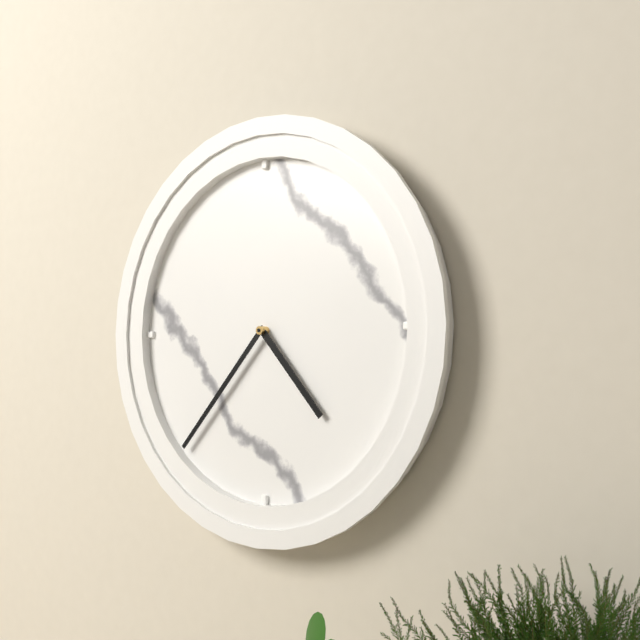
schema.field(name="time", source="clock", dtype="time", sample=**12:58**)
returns **4:37**
